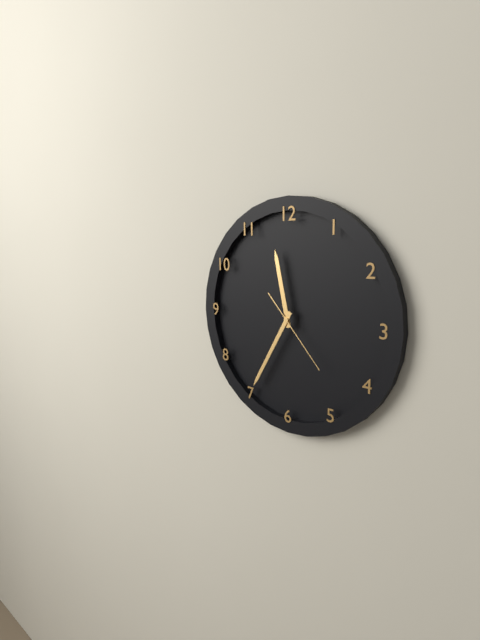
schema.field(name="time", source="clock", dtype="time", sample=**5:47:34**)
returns **11:35:23**
